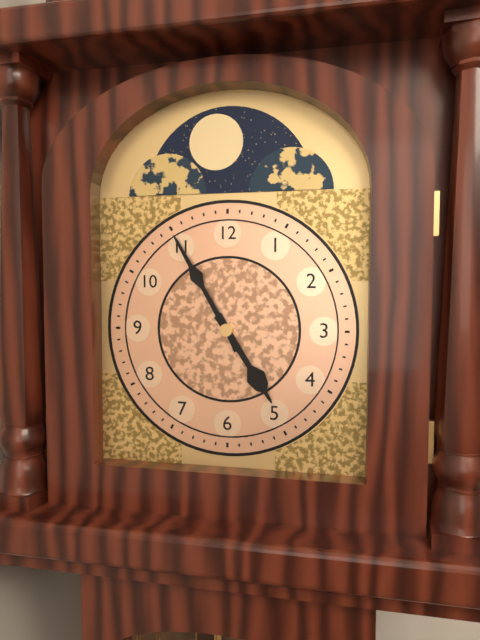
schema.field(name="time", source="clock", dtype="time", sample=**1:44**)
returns **4:55**
